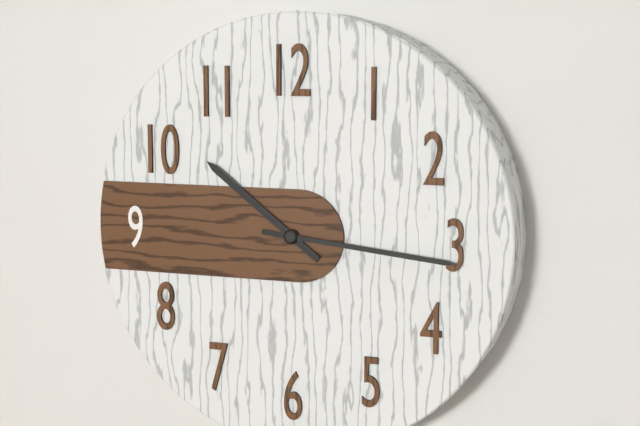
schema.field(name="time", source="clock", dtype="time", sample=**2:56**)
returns **10:16**
